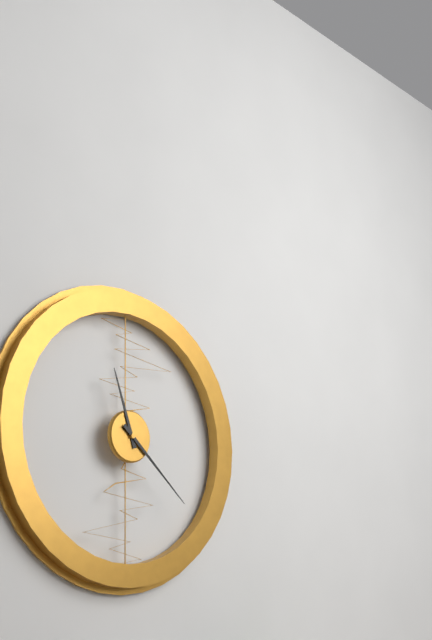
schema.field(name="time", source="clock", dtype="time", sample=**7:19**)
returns **11:22**
